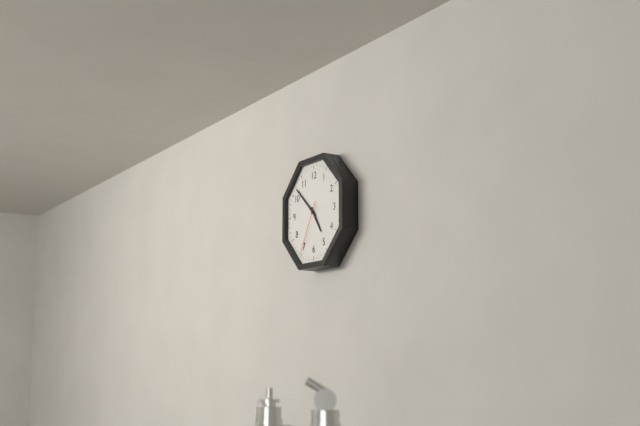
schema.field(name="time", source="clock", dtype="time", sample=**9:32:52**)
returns **4:52:35**
